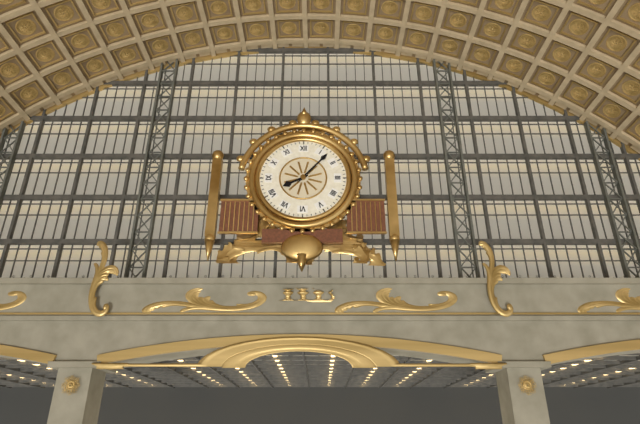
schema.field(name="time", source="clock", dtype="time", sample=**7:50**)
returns **8:07**
